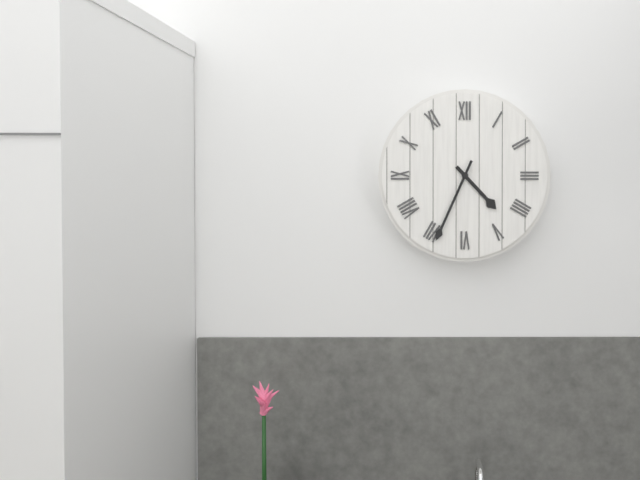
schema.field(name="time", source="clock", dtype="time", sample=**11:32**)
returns **4:34**
